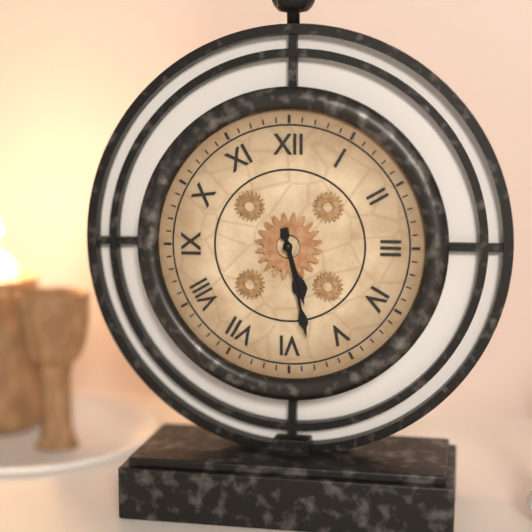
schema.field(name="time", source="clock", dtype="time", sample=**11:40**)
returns **5:28**
